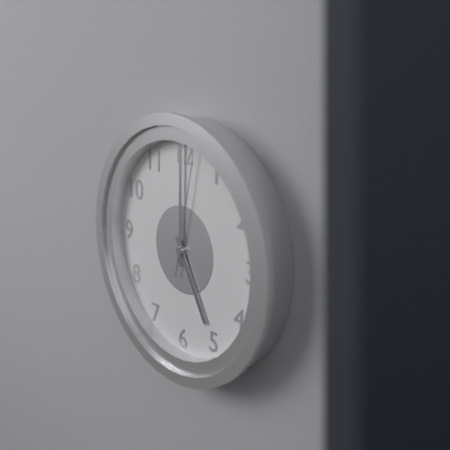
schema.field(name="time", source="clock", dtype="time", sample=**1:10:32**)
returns **5:00:02**
